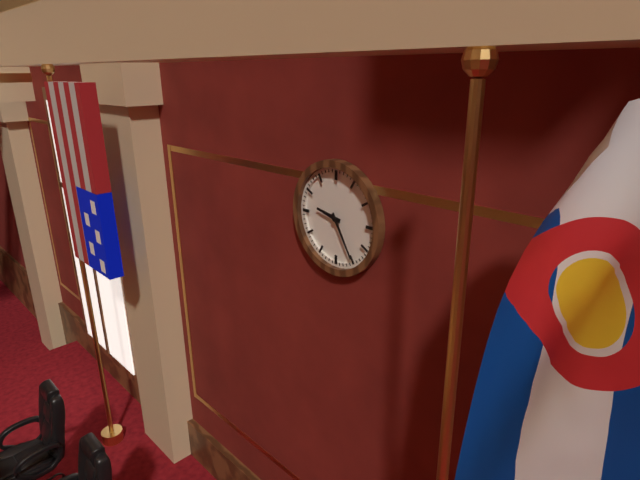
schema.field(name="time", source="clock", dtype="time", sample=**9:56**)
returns **9:25**
